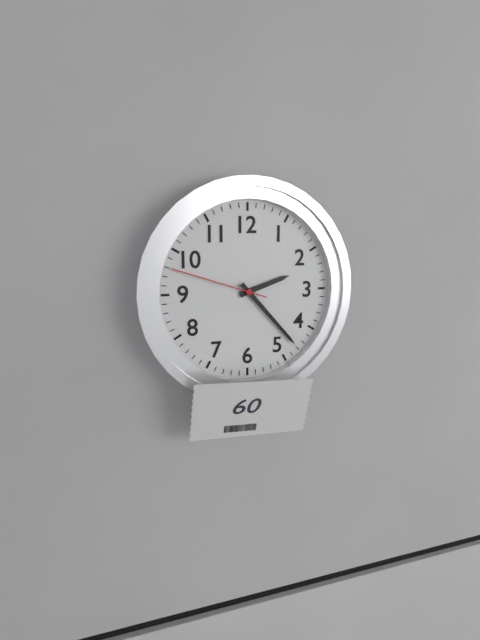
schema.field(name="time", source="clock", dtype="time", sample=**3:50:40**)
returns **2:23:48**
